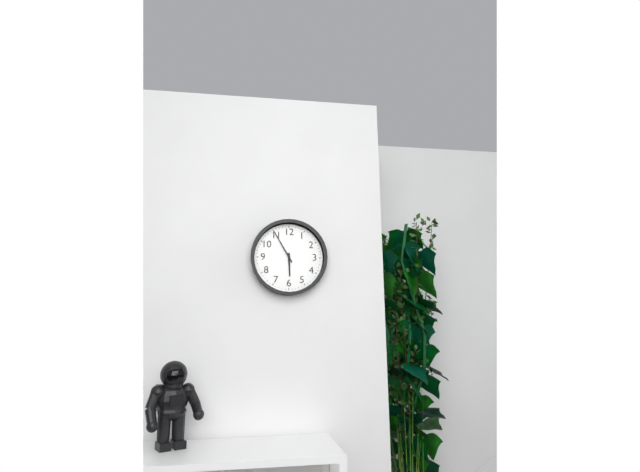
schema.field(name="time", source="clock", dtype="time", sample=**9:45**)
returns **5:55**
